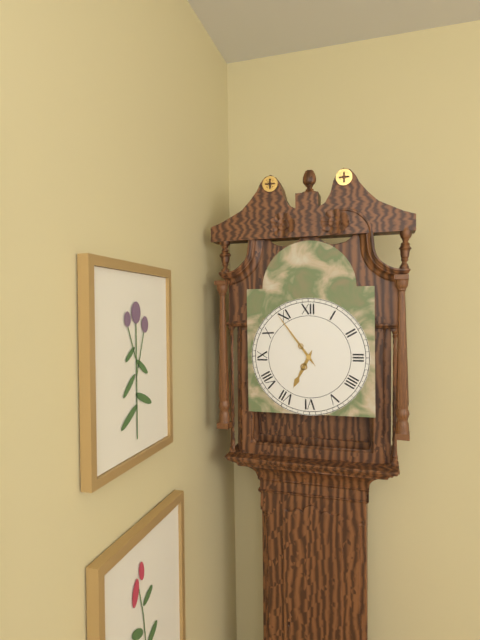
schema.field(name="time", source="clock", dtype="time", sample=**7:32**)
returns **6:54**
